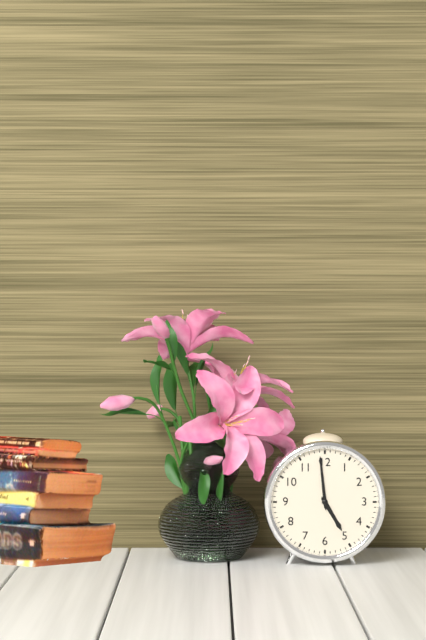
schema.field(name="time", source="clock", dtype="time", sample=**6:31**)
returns **4:59**
